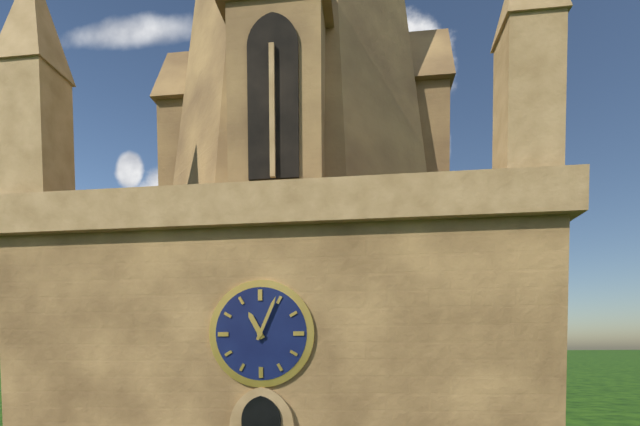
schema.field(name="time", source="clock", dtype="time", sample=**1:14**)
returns **11:04**
